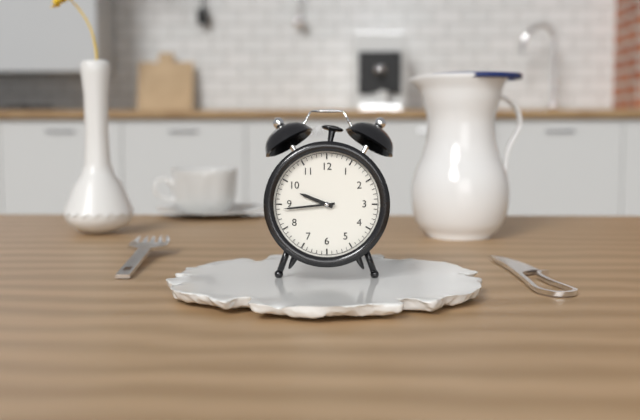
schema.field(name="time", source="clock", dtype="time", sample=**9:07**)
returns **9:44**
